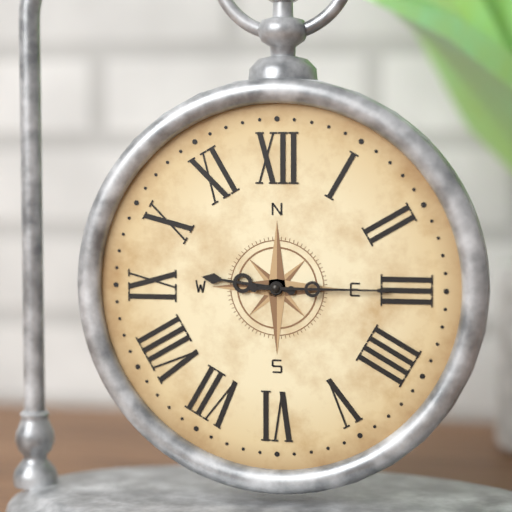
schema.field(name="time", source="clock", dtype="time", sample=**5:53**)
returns **9:15**
